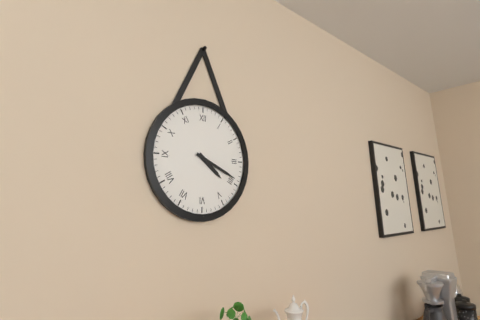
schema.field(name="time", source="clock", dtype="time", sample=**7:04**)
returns **4:19**
